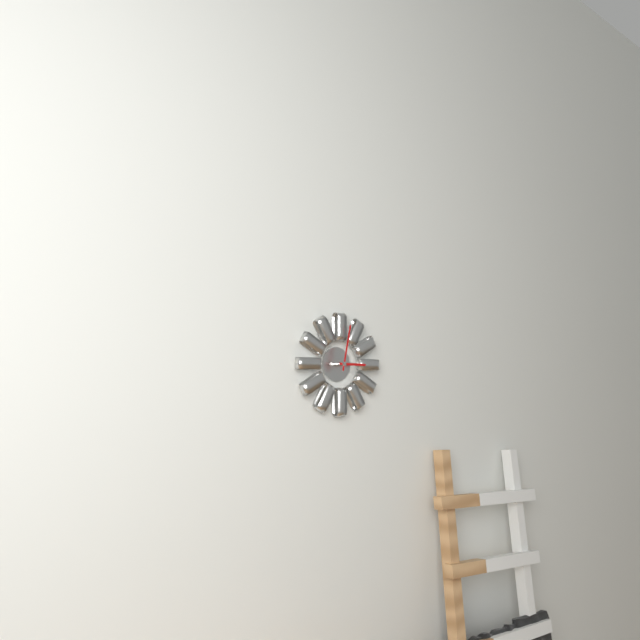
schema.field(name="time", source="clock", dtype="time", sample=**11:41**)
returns **3:02**
